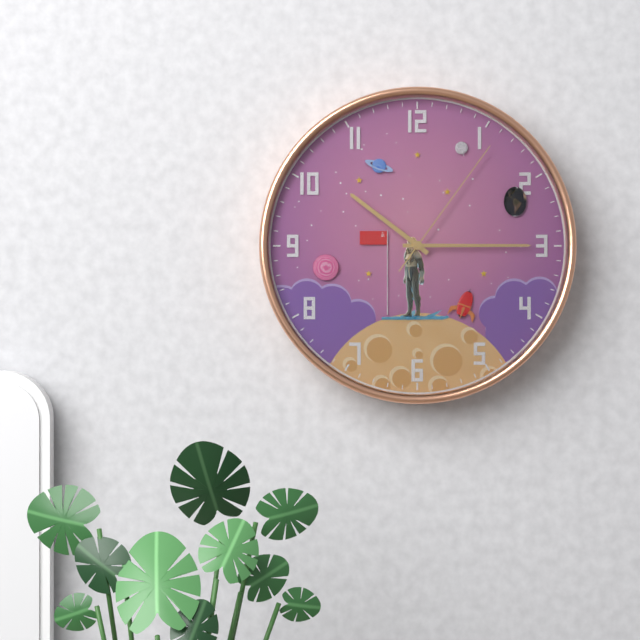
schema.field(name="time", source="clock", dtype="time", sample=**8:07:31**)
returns **10:15:06**
